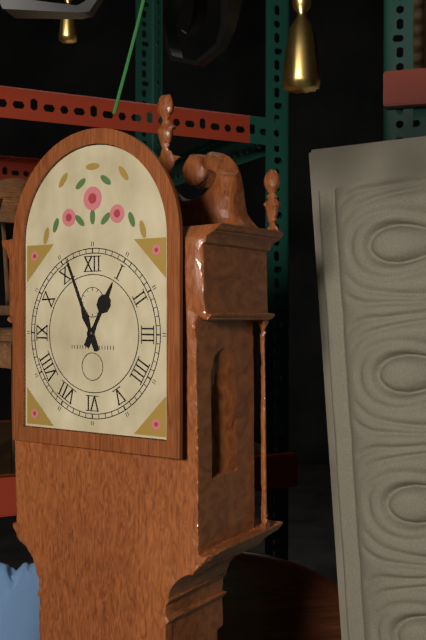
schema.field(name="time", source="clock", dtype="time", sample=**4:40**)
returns **12:56**
